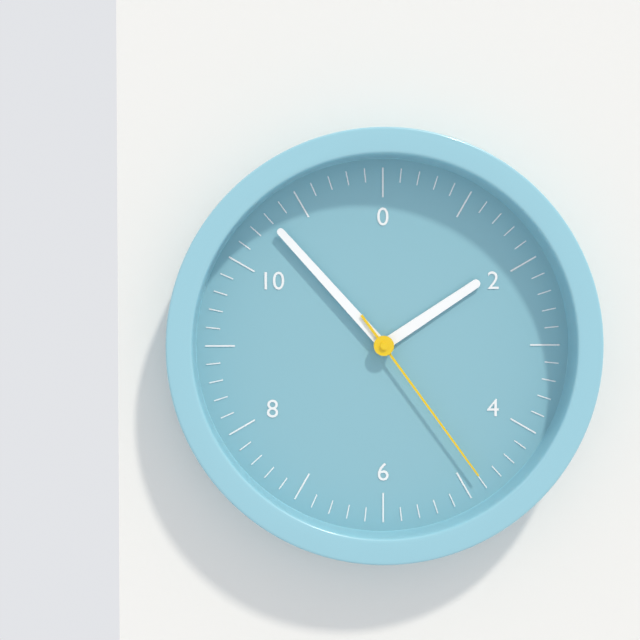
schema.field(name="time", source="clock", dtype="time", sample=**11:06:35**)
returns **1:53:24**
